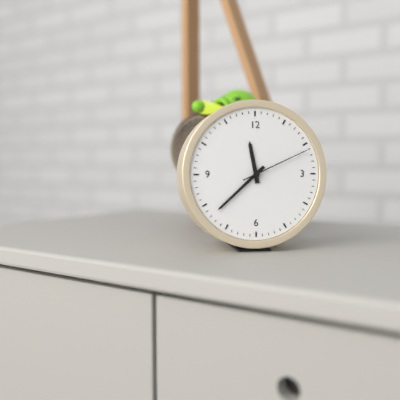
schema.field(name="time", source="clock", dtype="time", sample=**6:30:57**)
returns **11:38:11**
